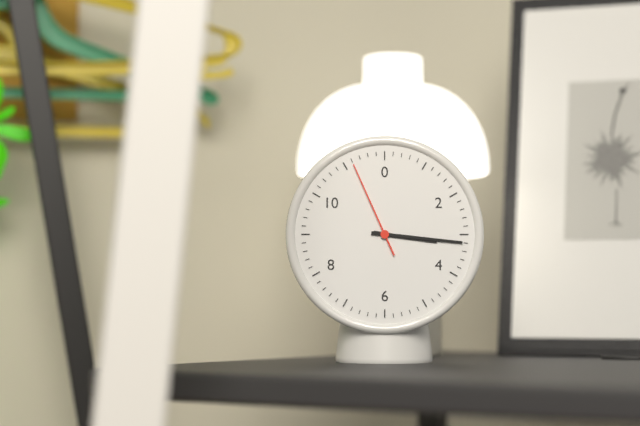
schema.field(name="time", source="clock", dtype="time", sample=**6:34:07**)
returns **3:16:56**
